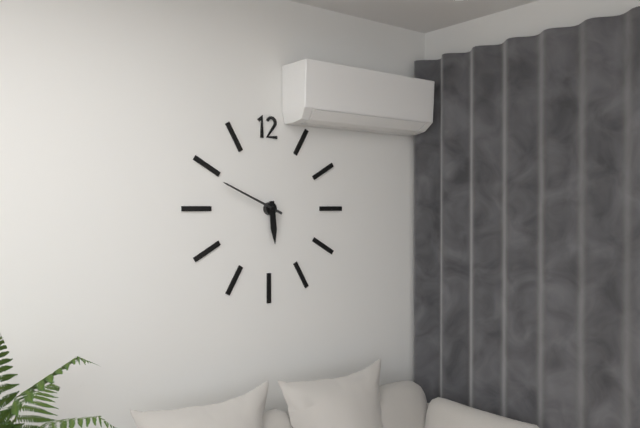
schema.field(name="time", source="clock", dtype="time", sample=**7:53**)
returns **5:49**
